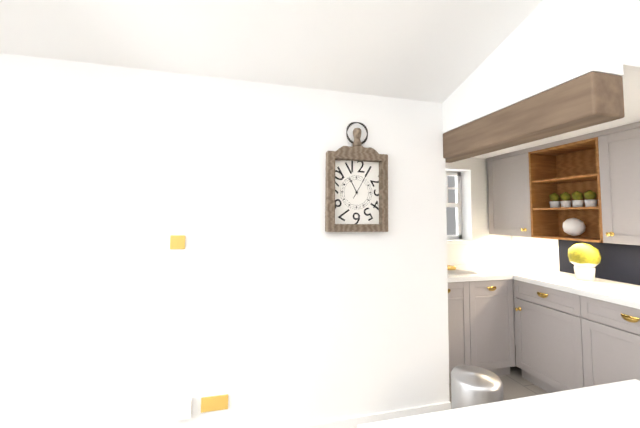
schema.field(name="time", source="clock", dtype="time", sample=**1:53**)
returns **11:05**
